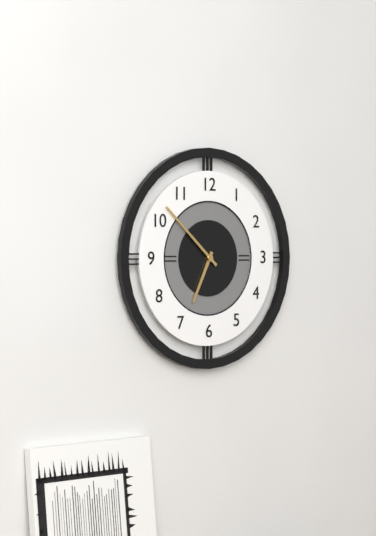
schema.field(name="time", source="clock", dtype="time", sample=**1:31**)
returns **6:52**
